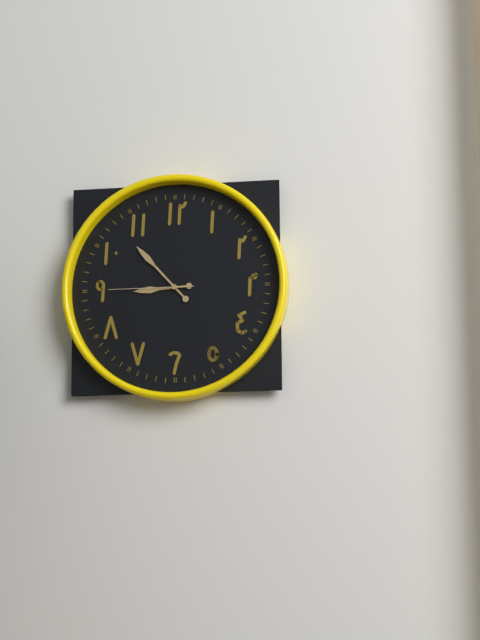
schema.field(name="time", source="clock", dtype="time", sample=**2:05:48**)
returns **8:53:45**
